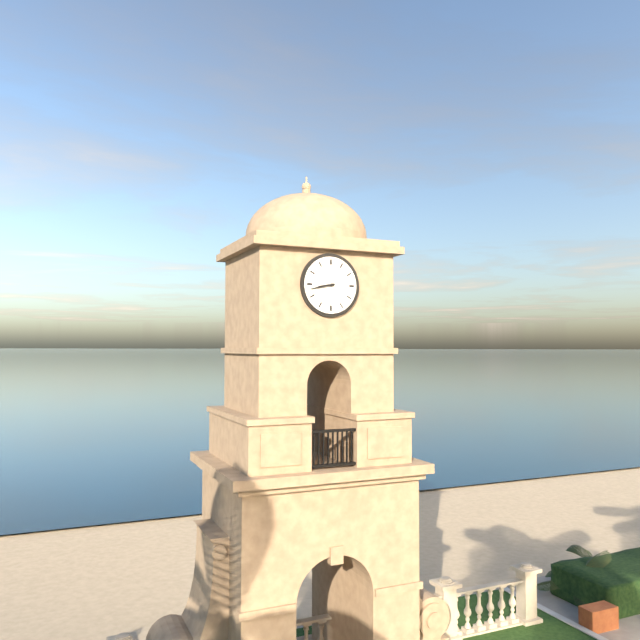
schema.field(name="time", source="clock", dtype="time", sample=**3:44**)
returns **8:43**
